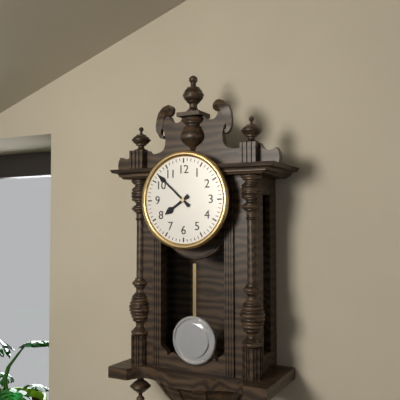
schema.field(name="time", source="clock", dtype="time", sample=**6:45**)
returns **7:52**
